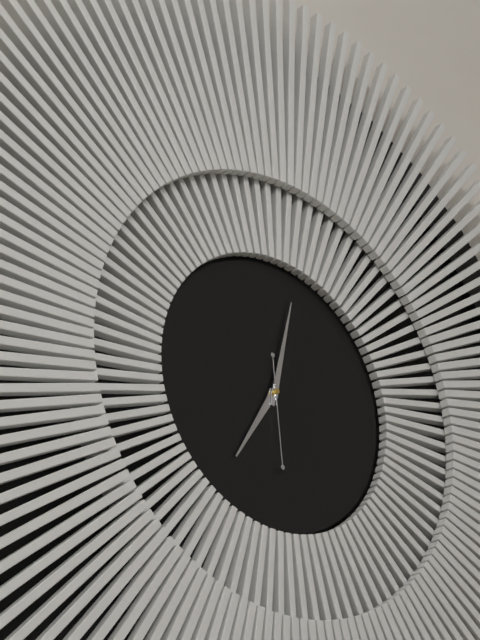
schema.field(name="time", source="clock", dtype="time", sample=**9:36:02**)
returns **7:02:29**
